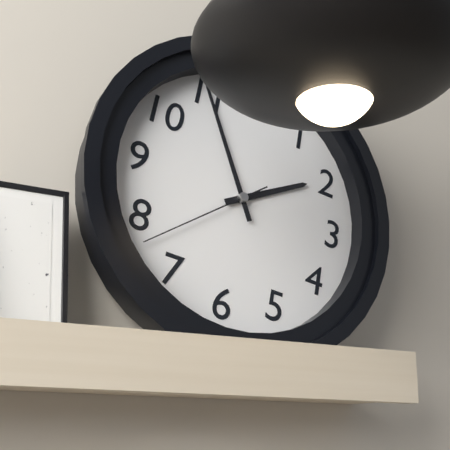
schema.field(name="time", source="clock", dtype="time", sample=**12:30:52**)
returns **1:55:38**
